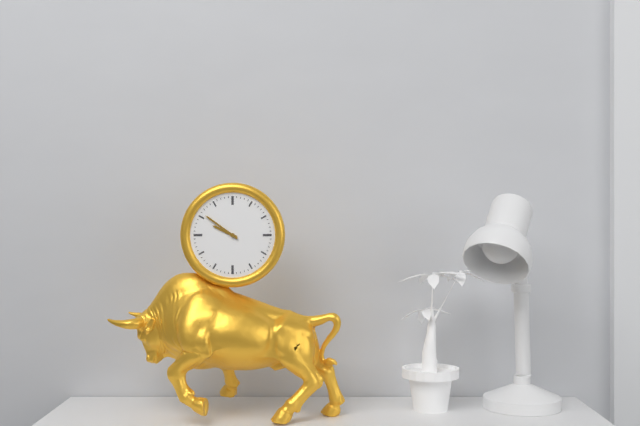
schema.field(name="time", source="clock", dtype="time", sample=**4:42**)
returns **9:51**
